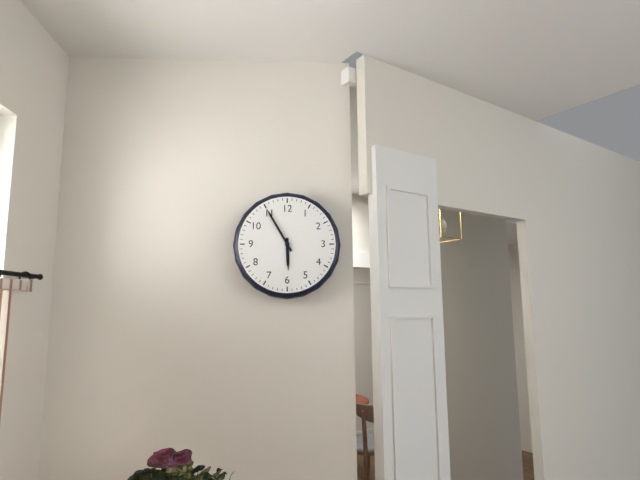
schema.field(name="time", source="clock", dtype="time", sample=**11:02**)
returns **5:55**
